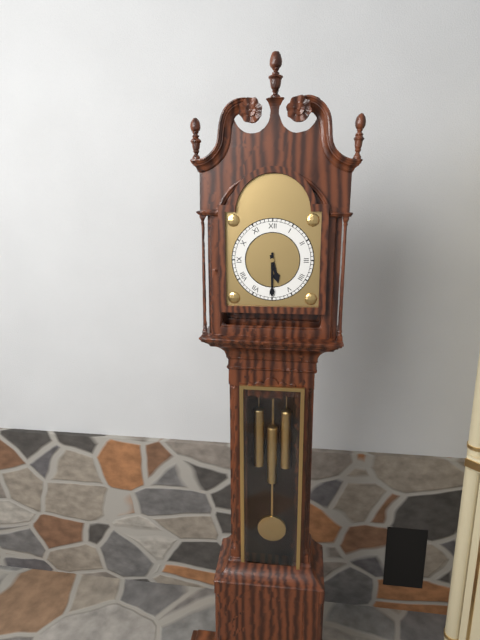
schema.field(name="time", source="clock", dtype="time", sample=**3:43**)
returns **5:30**
